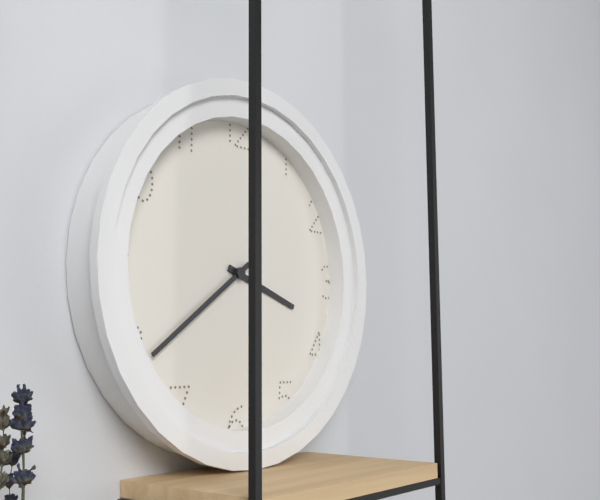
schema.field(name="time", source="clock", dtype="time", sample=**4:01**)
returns **3:39**
